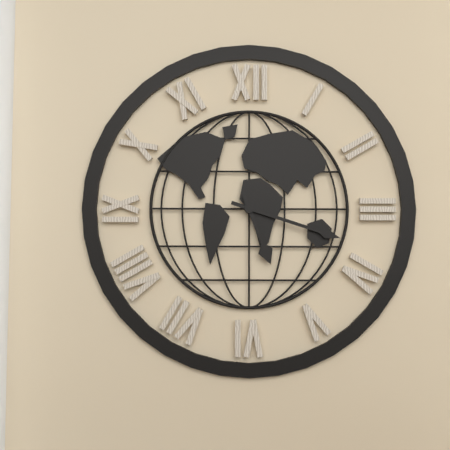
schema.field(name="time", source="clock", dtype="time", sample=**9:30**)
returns **5:18**
